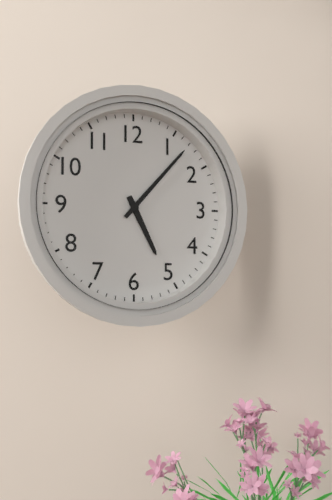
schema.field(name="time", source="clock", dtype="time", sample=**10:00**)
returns **5:07**
